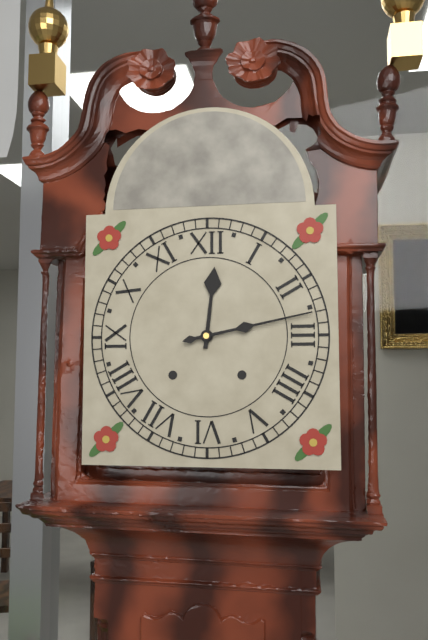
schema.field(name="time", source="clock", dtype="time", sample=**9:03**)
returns **12:13**
